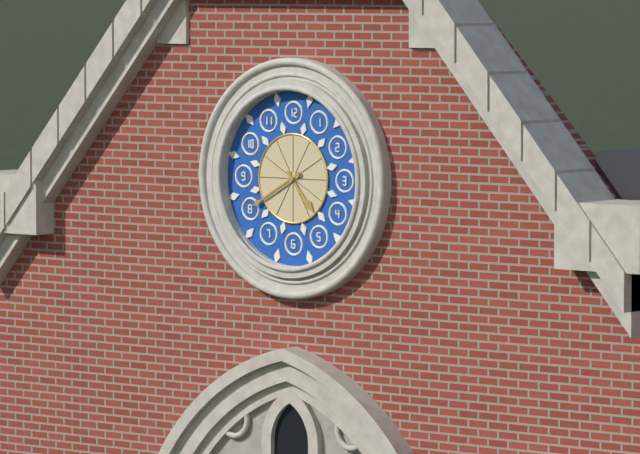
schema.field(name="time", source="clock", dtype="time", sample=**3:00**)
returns **4:40**
